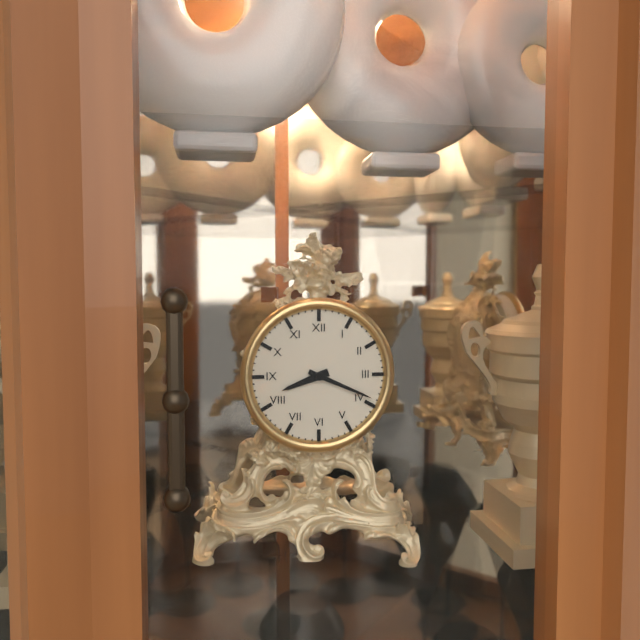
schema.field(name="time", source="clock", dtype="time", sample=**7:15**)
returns **8:19**
